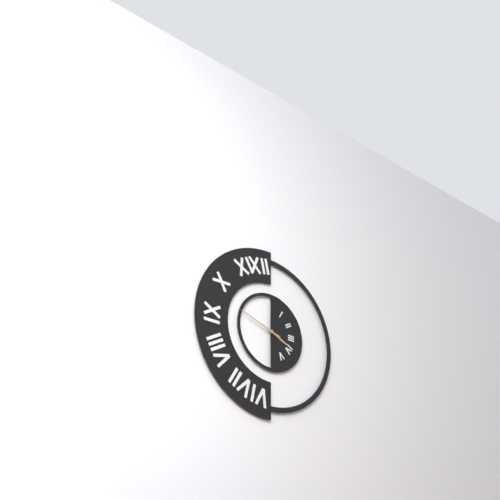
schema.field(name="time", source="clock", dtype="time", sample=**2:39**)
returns **3:48**
